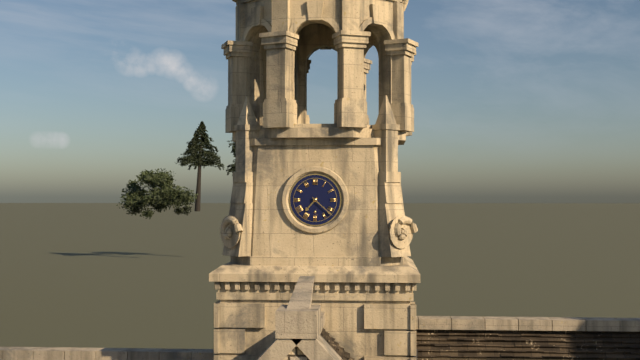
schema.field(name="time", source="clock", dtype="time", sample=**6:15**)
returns **7:22**
